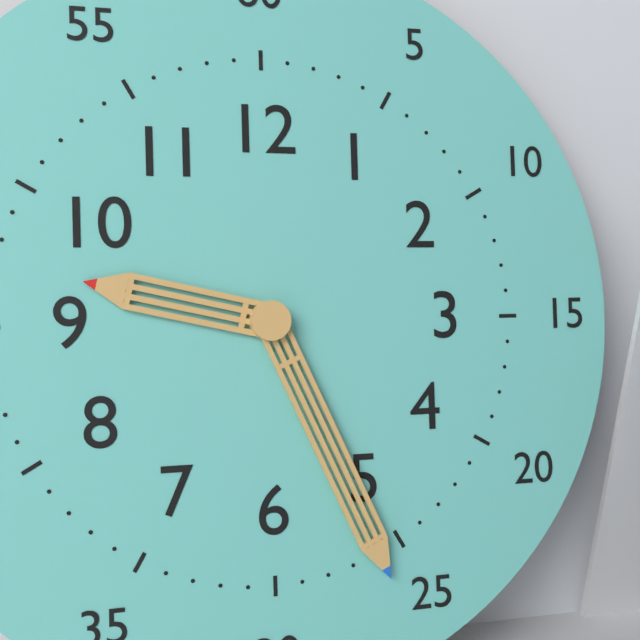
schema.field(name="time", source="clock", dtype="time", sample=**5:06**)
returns **9:26**
